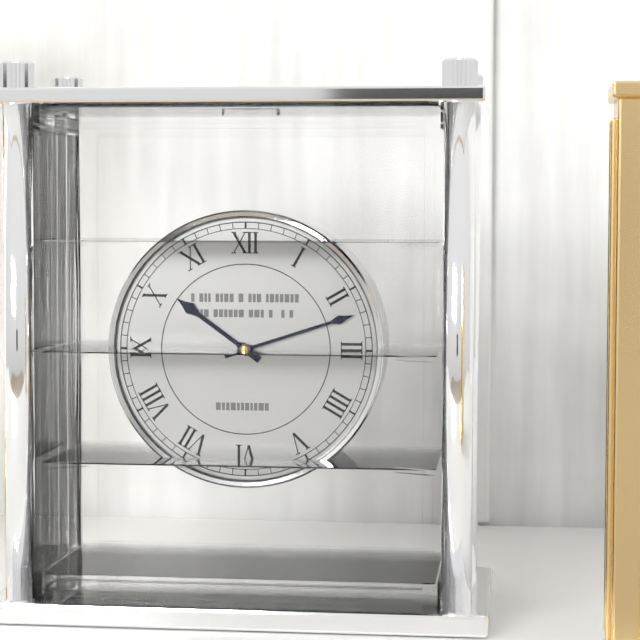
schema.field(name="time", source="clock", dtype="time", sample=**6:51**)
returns **10:12**
